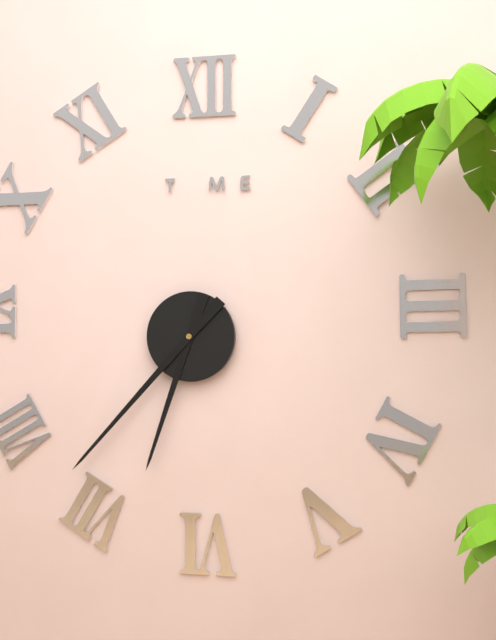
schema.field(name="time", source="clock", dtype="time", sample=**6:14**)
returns **6:37**
